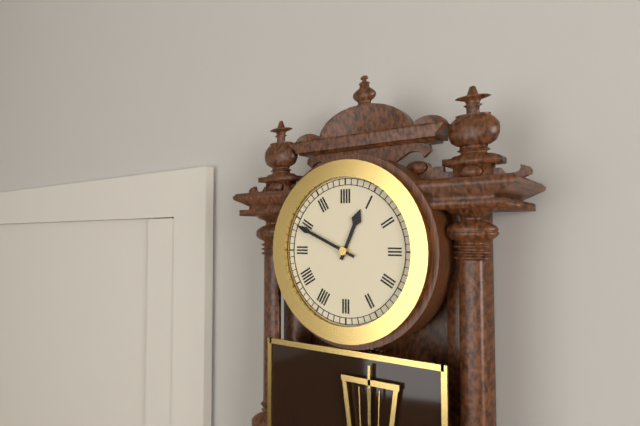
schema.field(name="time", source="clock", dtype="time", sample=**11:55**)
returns **12:49**
